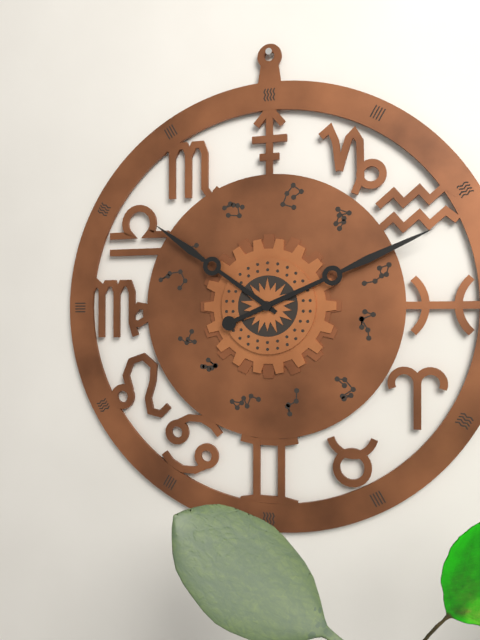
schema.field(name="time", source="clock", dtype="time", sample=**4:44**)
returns **10:11**
